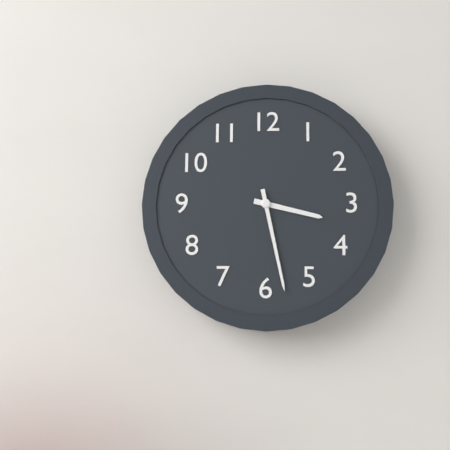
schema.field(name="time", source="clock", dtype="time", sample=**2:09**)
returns **3:28**
